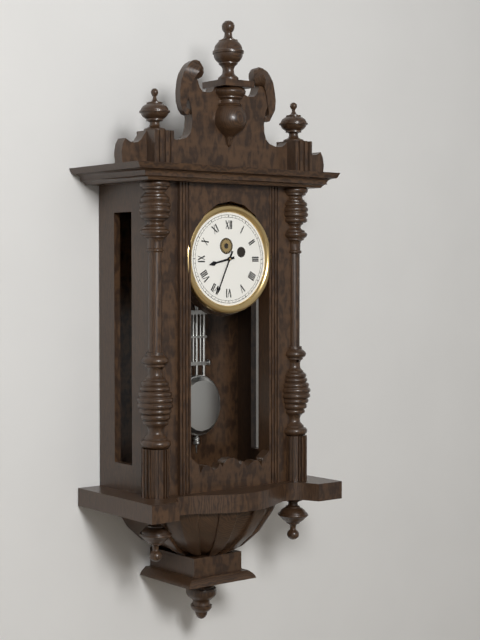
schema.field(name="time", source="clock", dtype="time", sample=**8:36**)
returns **8:34**
